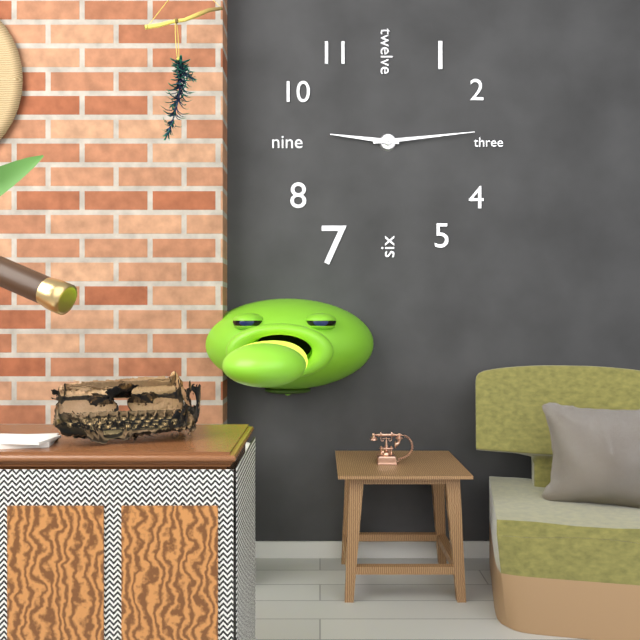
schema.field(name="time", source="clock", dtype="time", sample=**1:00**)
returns **9:14**
